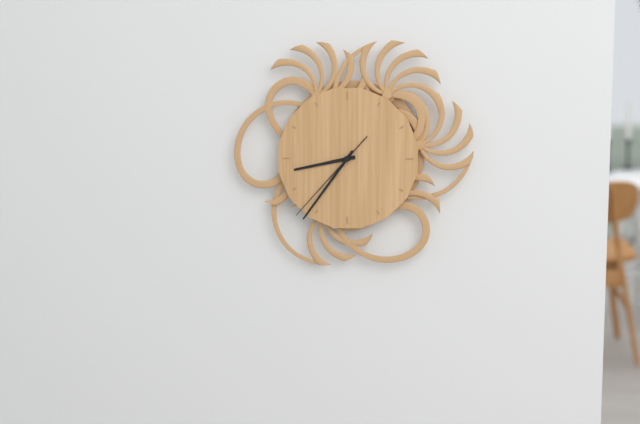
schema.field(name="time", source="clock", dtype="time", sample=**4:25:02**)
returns **8:36:37**
